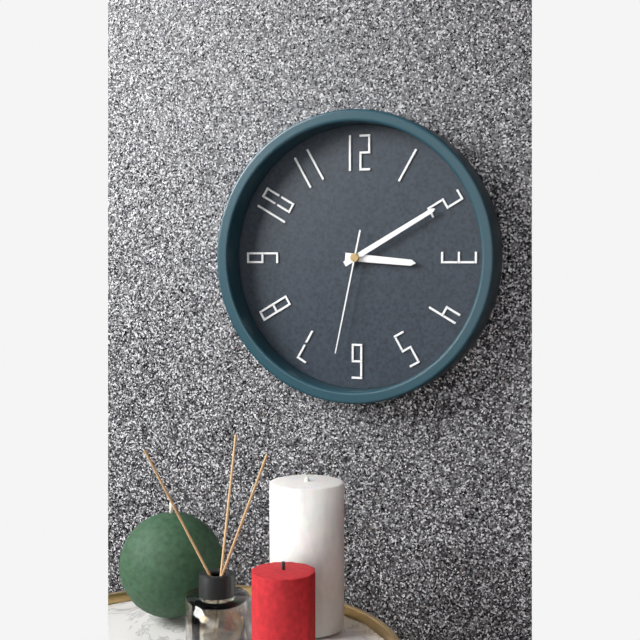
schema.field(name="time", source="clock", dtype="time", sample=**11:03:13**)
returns **3:10:32**
